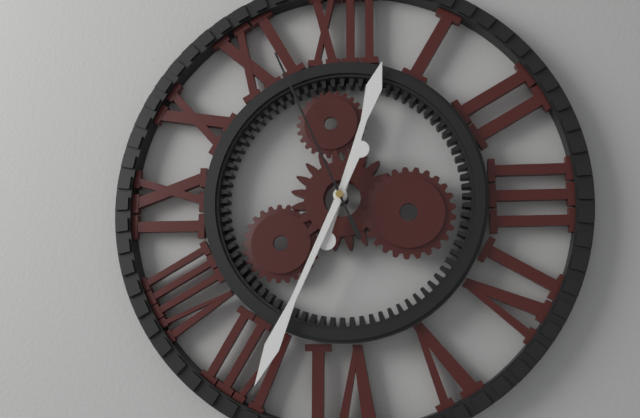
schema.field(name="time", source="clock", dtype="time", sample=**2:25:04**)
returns **12:34:56**
